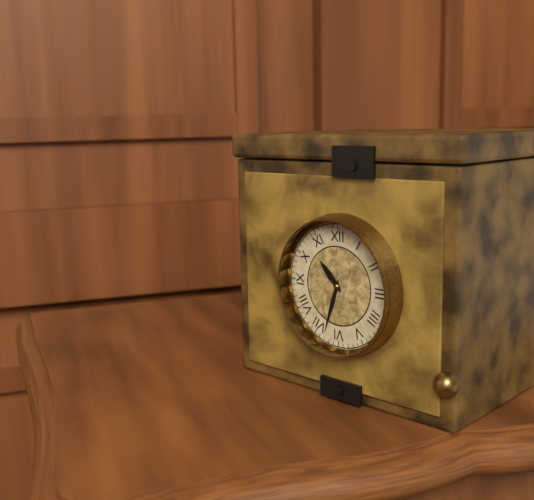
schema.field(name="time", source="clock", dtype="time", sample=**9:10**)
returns **10:33**
